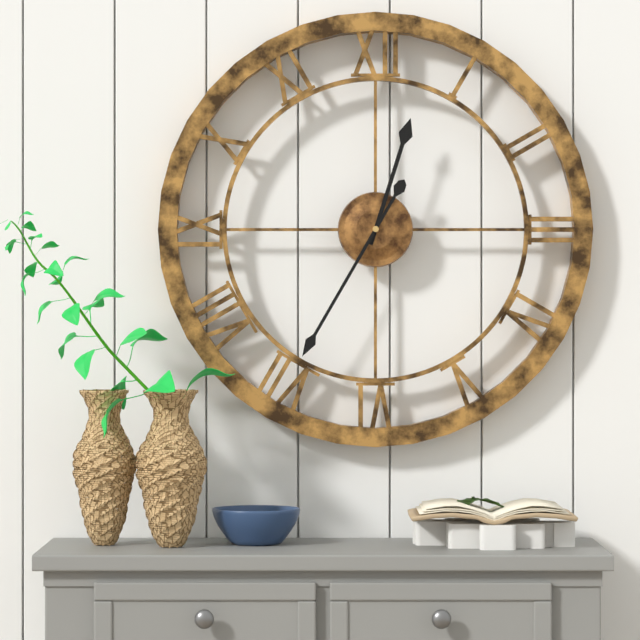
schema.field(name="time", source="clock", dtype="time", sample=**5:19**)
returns **12:35**
